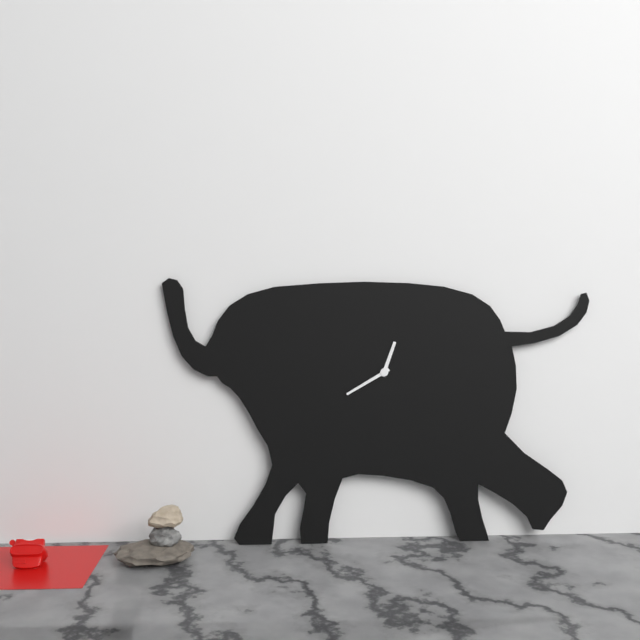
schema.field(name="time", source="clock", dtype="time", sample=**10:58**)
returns **12:40**
